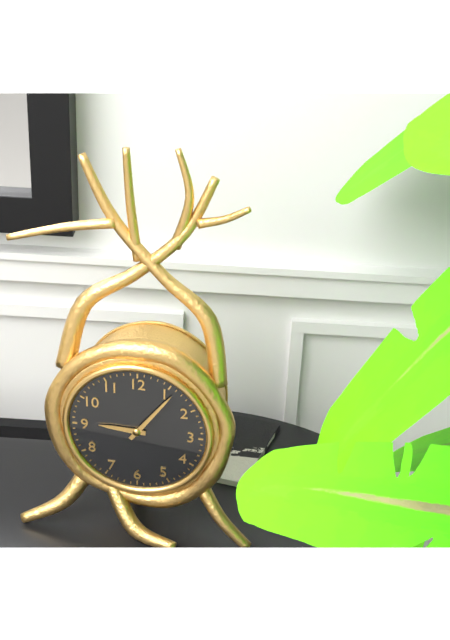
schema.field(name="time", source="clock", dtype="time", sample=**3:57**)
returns **9:06**
